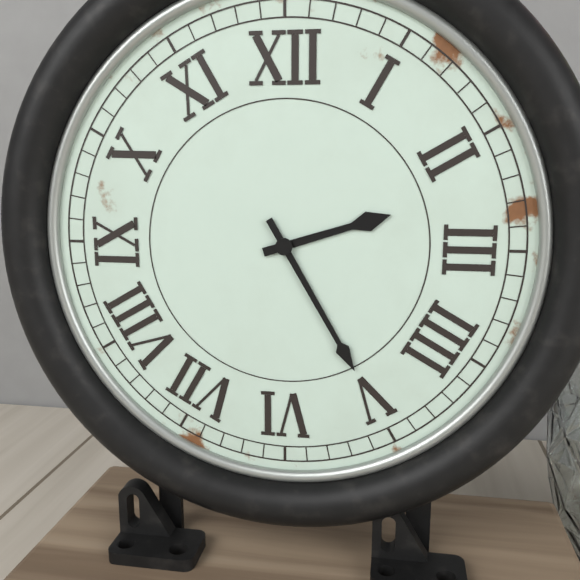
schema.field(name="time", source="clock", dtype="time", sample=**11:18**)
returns **2:25**
